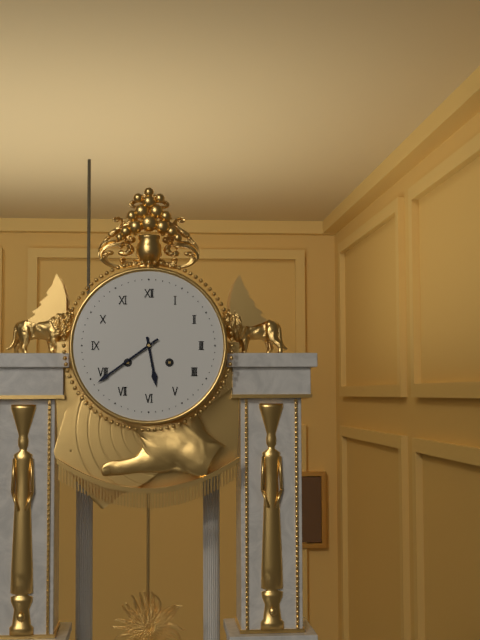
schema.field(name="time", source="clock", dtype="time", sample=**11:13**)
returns **5:39**
